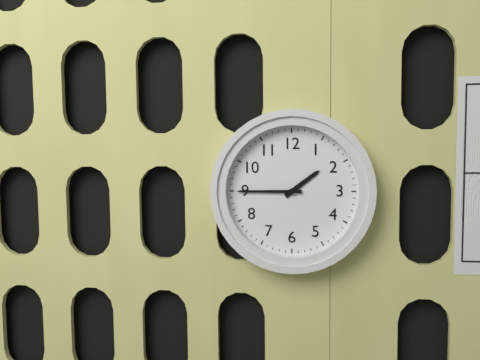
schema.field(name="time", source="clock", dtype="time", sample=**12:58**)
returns **1:45**
